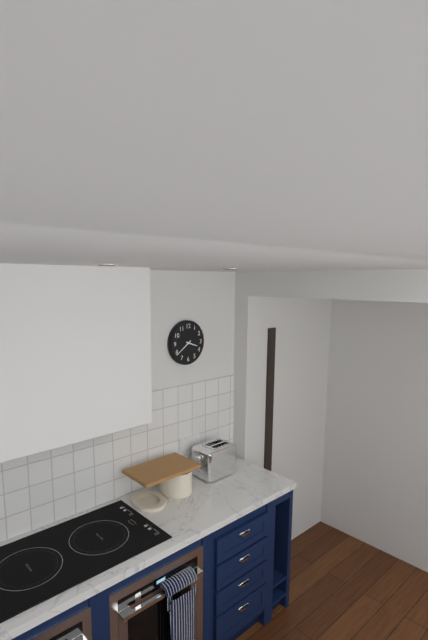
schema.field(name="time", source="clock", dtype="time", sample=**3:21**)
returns **3:39**
